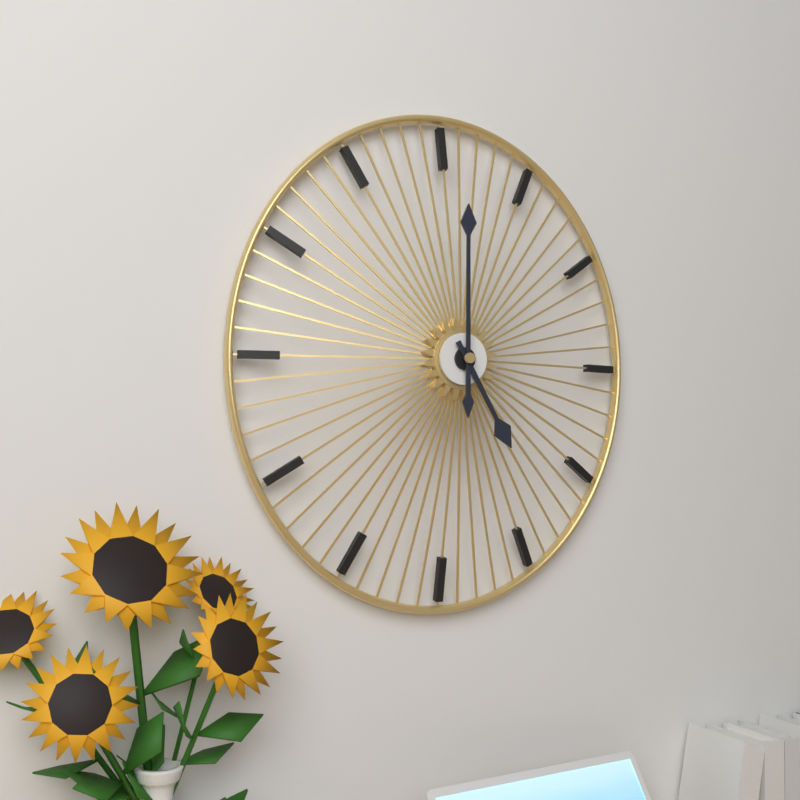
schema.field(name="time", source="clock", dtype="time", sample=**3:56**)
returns **5:00**
